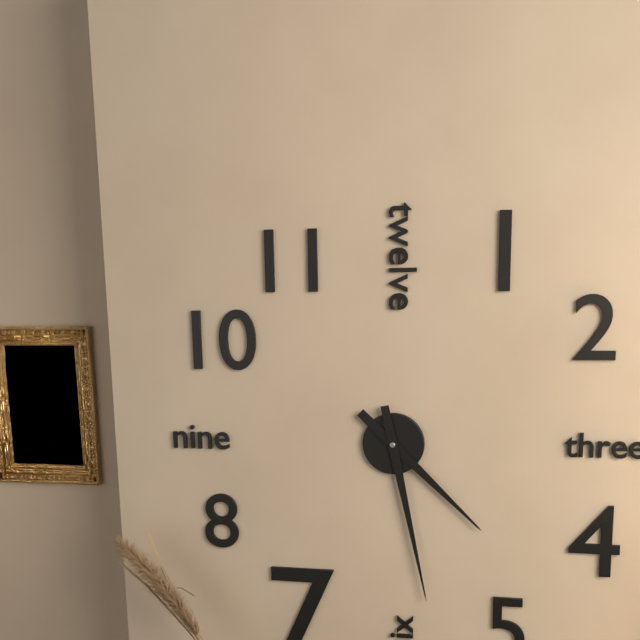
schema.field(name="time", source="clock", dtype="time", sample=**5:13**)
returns **4:28**
